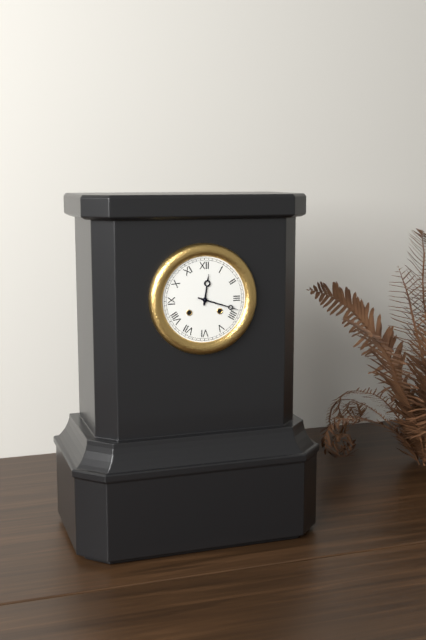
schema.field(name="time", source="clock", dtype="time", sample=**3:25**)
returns **12:18**
